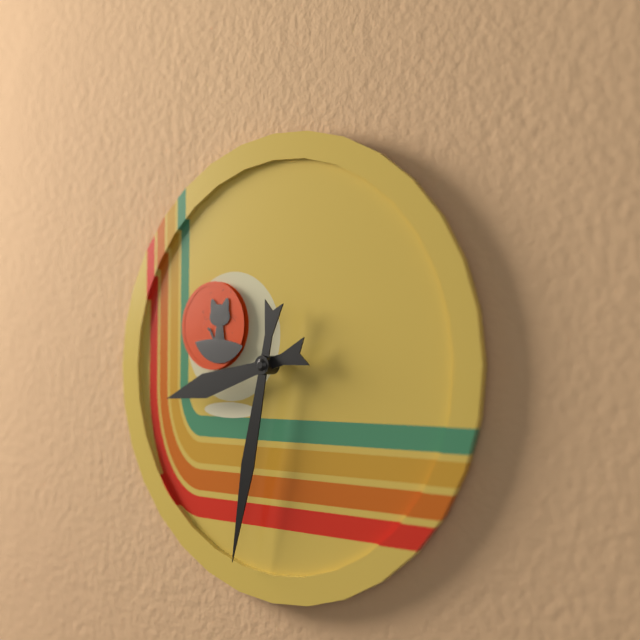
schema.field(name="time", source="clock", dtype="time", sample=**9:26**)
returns **8:32**
